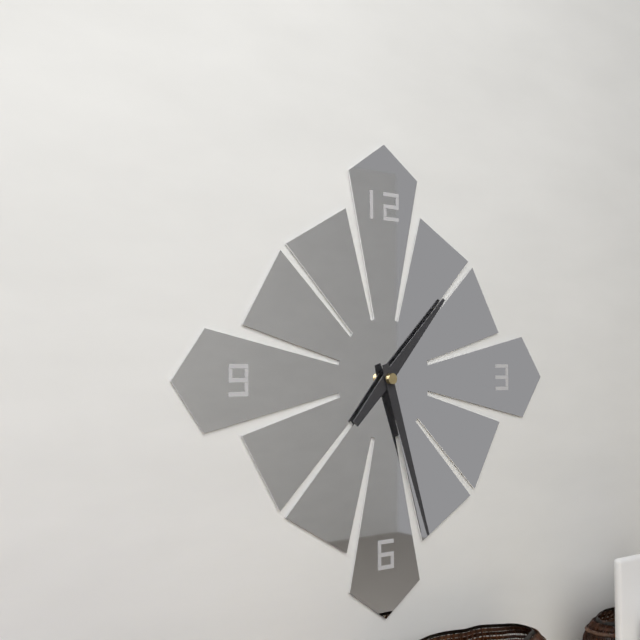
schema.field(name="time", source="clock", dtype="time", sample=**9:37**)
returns **1:27**
